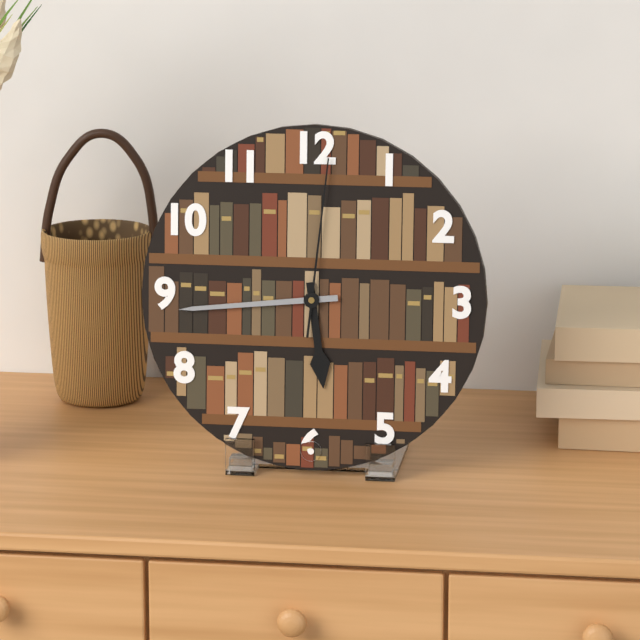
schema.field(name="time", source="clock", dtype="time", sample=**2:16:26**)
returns **5:44:01**
